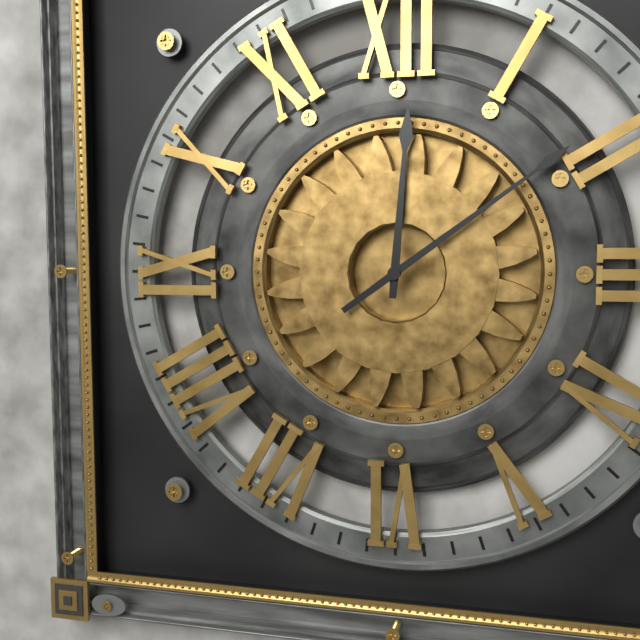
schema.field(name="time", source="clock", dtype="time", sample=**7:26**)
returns **12:09**
